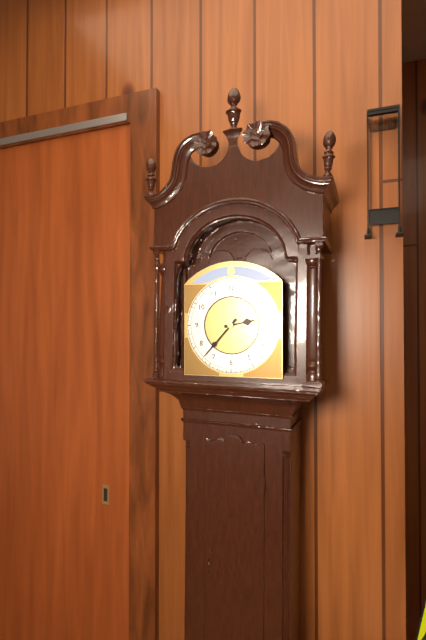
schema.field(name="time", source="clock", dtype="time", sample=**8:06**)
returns **2:37**
